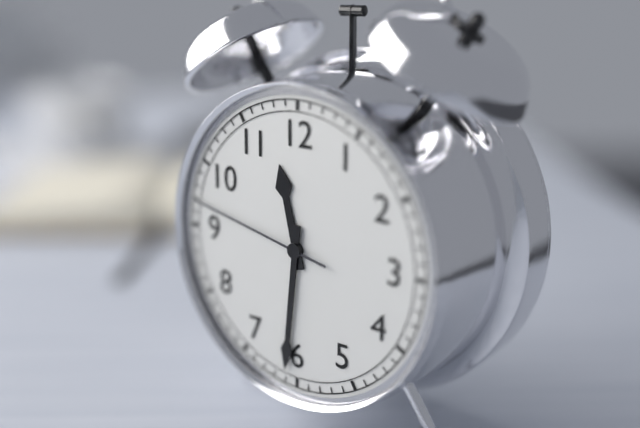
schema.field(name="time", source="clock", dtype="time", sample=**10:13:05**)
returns **11:31:47**
